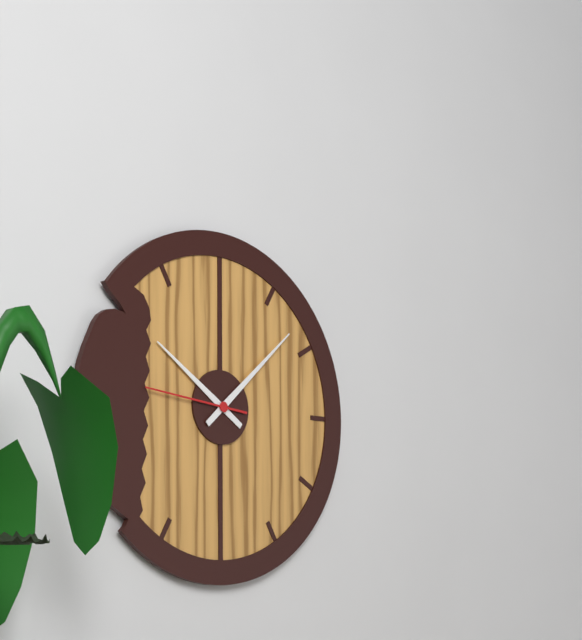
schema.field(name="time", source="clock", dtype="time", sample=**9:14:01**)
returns **10:08:46**
